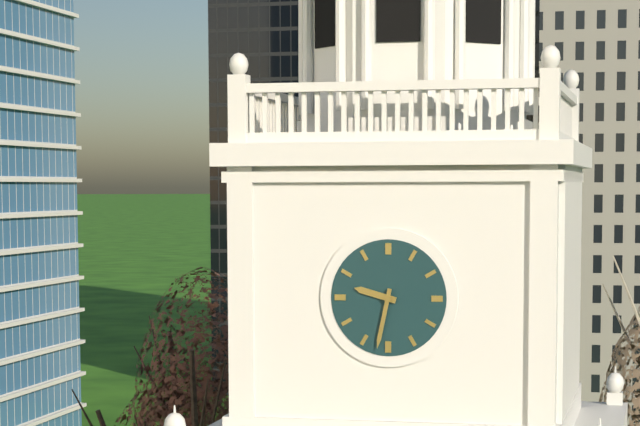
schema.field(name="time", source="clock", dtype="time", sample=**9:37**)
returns **9:32**
